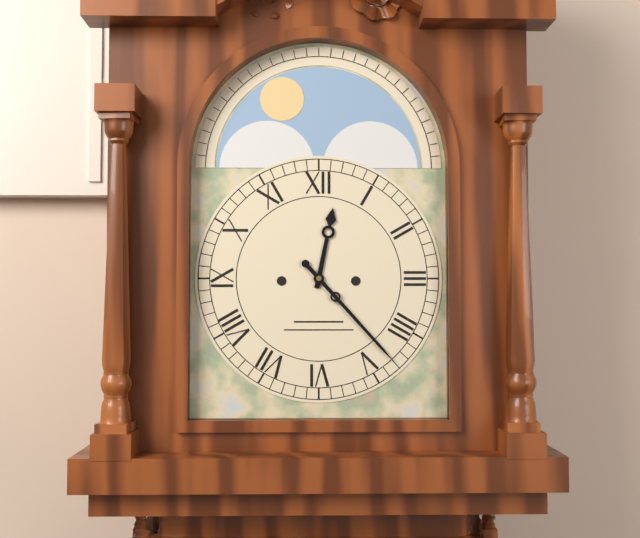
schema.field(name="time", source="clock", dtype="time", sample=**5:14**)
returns **12:23**
